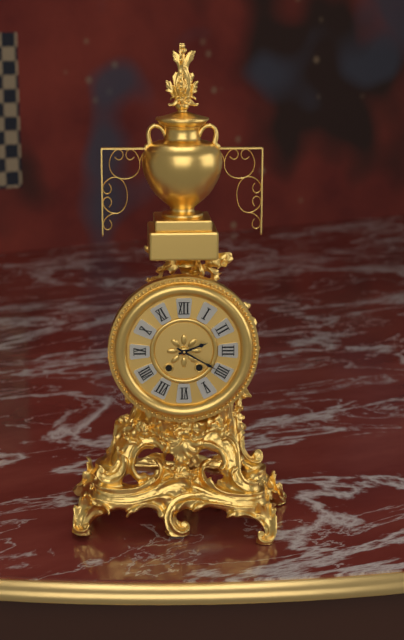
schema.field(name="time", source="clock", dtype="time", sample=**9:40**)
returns **2:20**
